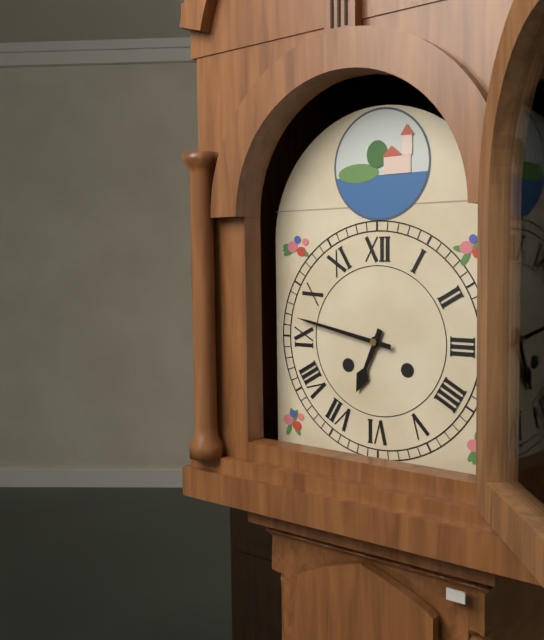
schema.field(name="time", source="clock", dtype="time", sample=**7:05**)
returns **6:47**
